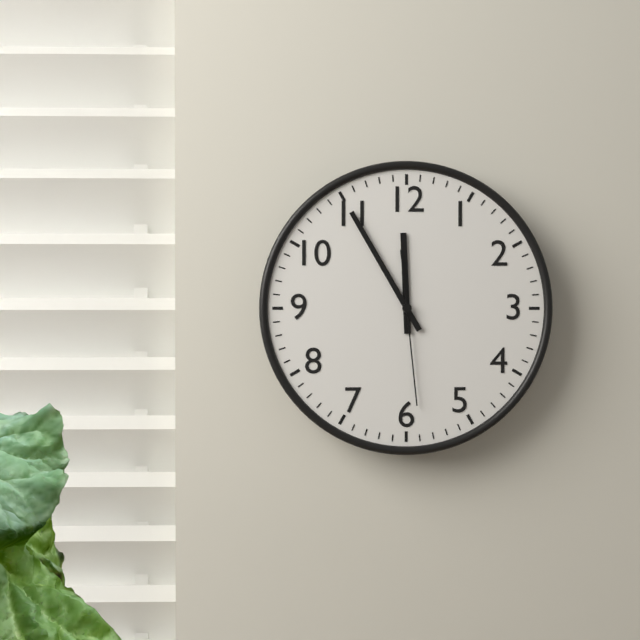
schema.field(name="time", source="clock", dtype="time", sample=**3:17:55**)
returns **11:55:29**
